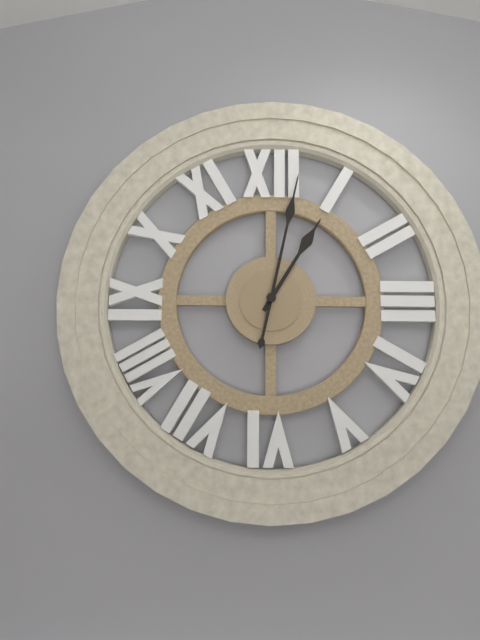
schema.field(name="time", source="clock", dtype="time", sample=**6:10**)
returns **1:02**
